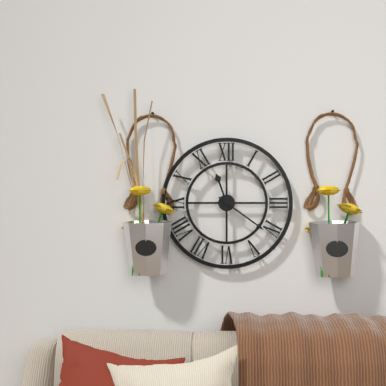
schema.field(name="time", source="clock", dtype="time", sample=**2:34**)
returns **11:21**
